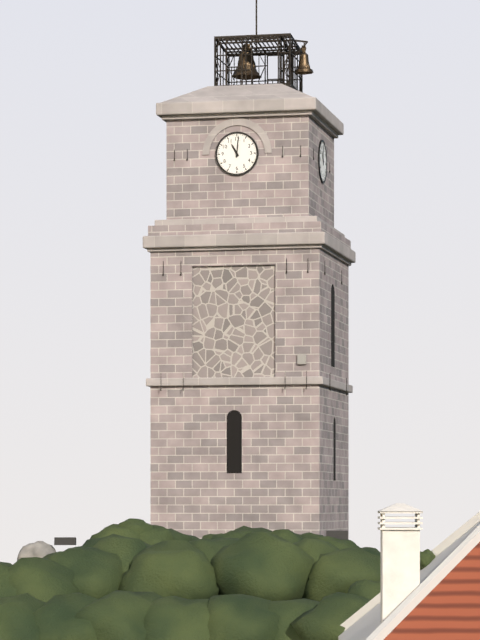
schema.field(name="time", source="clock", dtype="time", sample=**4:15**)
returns **11:01**
